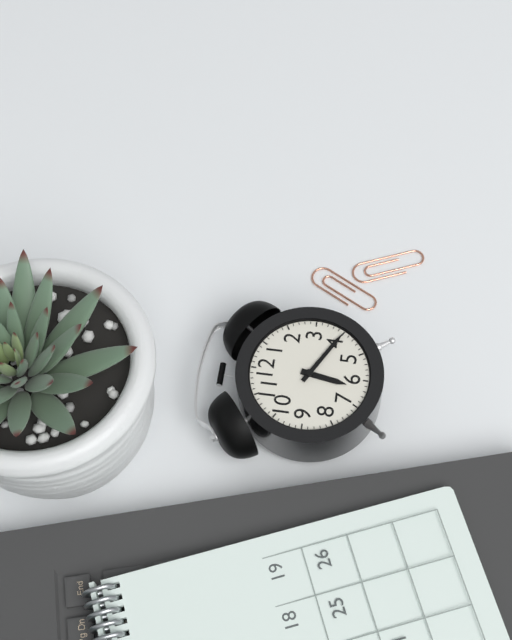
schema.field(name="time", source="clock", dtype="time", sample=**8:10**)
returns **6:20**
